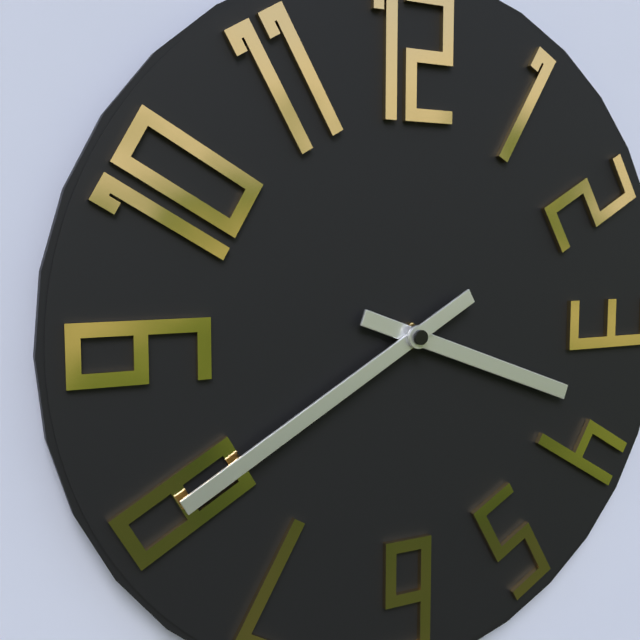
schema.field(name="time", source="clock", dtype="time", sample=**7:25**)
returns **3:40**
